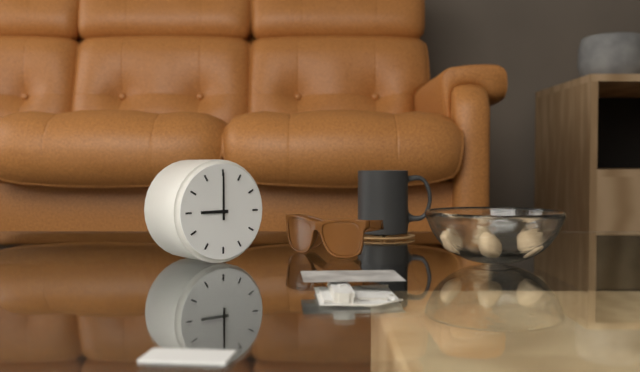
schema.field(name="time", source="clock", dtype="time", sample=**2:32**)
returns **9:00**
